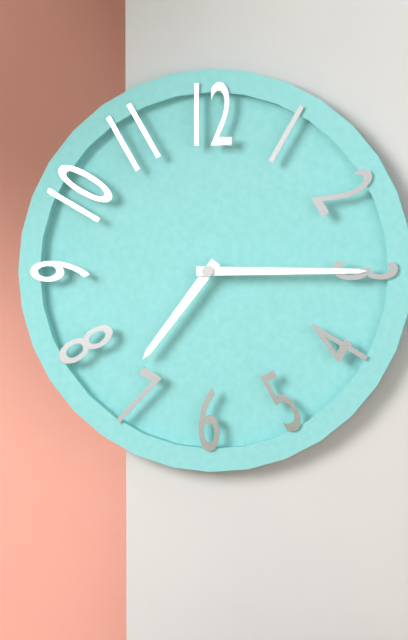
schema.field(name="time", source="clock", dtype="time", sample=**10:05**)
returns **7:15**
